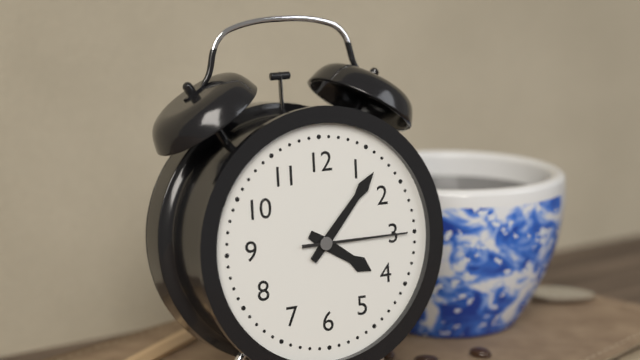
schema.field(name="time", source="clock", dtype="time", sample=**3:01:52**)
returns **4:07:15**
